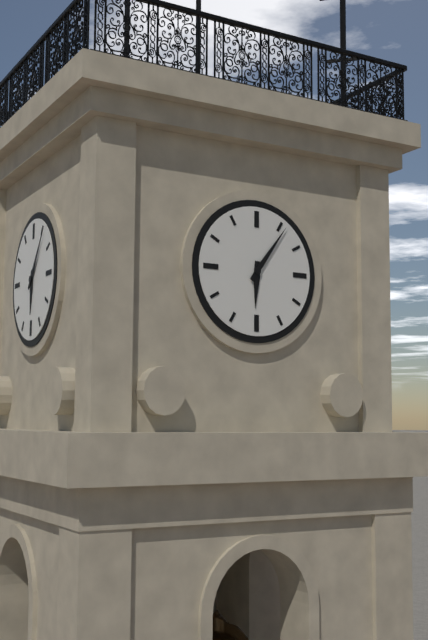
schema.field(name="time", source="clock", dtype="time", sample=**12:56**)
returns **6:06**
